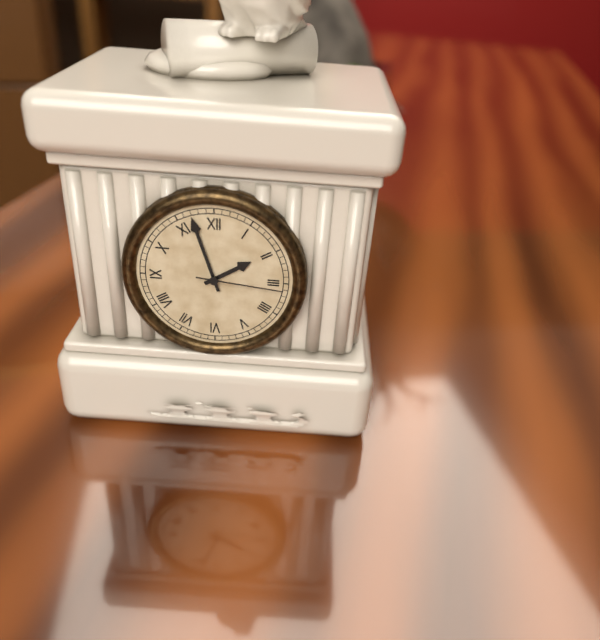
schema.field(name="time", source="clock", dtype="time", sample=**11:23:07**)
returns **1:57:16**
